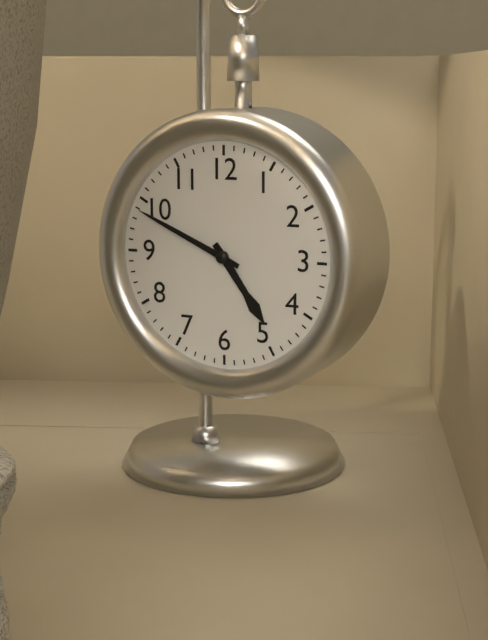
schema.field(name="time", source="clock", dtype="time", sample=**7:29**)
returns **4:49**
